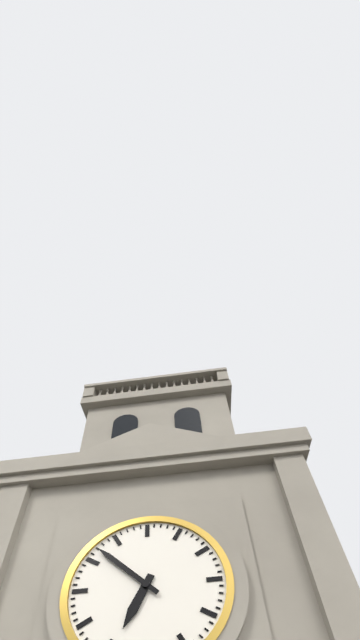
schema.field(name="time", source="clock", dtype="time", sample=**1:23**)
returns **6:52**
